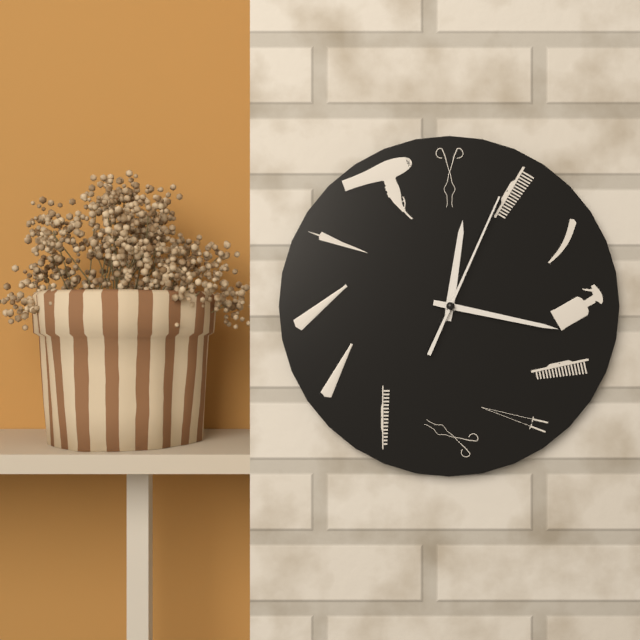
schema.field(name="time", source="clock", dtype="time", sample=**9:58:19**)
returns **12:17:04**
